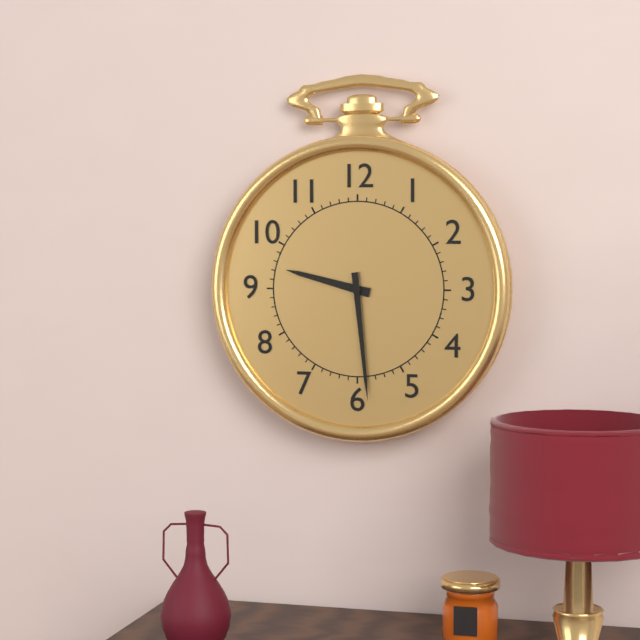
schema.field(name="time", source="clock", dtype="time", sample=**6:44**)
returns **9:29**
